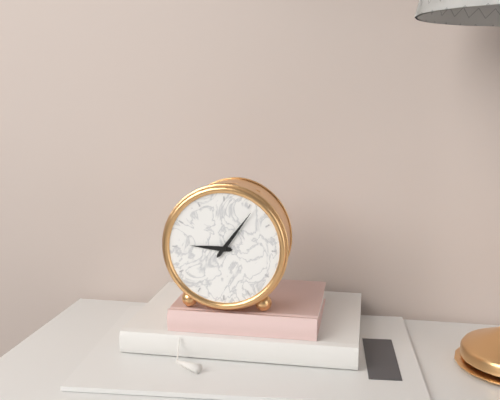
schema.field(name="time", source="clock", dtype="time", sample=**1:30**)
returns **9:06**
